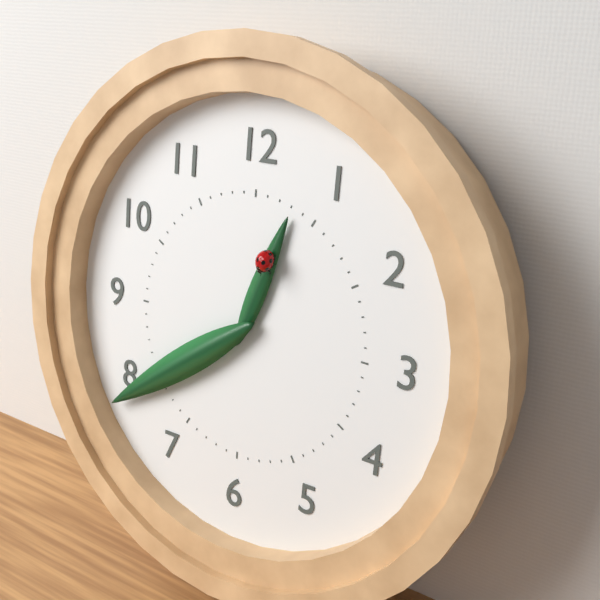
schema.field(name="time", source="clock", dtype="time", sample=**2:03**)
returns **12:39**
